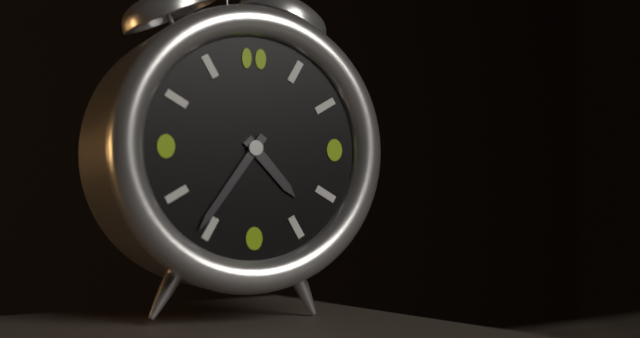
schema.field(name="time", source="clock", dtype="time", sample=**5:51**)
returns **4:36**
